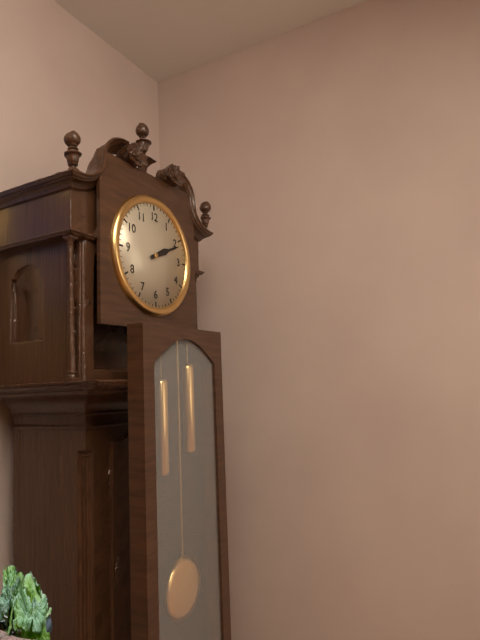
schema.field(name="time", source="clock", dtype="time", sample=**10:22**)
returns **2:11**
